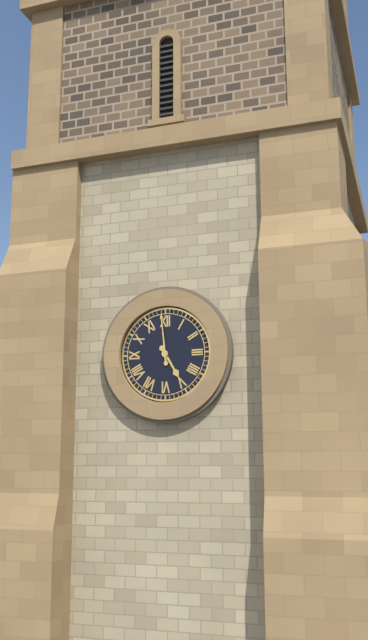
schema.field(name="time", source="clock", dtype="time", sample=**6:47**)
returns **4:59**
